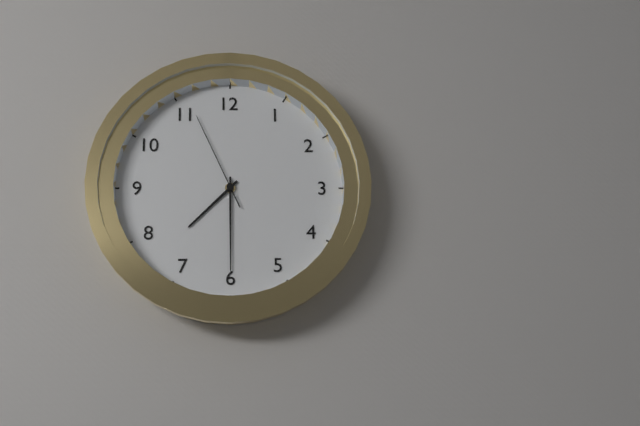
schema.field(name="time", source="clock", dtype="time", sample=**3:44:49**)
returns **7:30:56**
